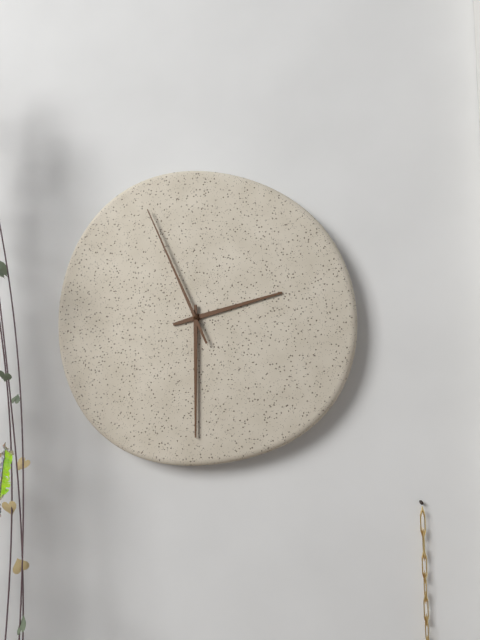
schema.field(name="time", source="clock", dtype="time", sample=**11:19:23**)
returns **2:30:56**
